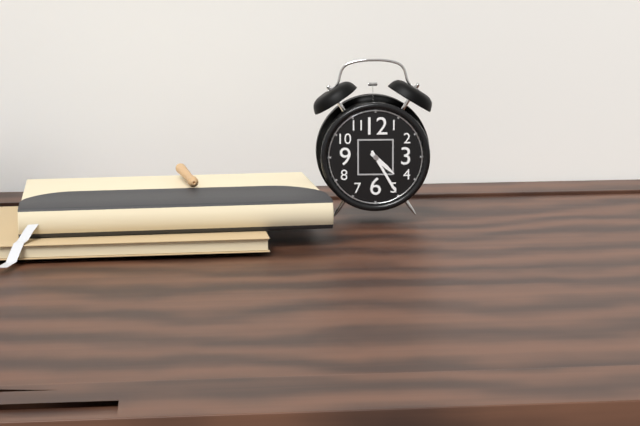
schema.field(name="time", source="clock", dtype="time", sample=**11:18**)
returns **4:25**
